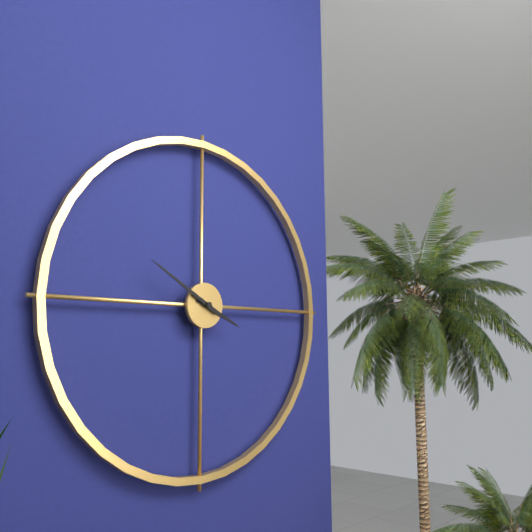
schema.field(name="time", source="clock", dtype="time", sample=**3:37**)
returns **3:50**
